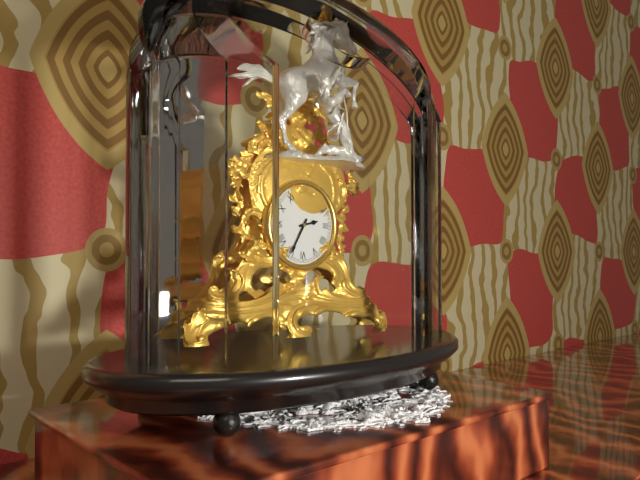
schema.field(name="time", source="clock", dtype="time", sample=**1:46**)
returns **2:35**
